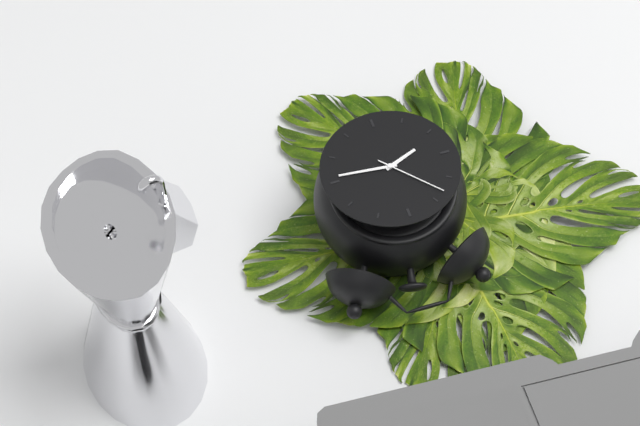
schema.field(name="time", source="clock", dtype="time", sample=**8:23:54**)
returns **8:16:53**
